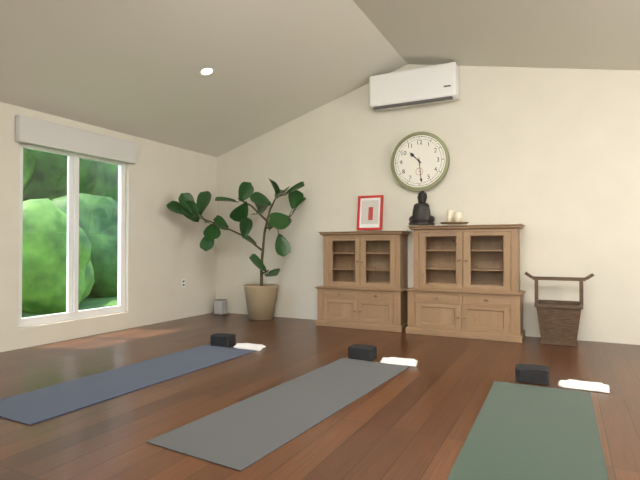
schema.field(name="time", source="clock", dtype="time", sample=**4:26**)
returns **10:29**
